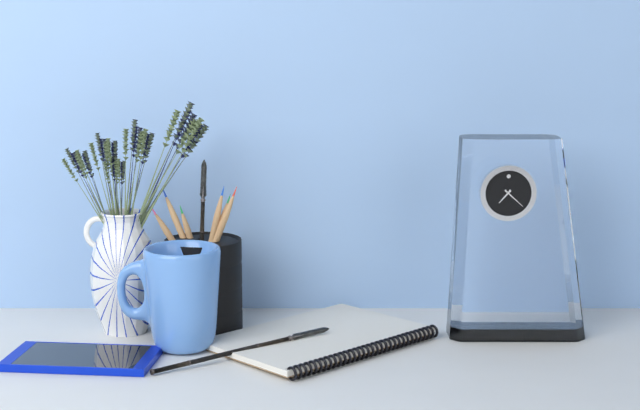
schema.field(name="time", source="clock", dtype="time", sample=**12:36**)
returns **7:22**
